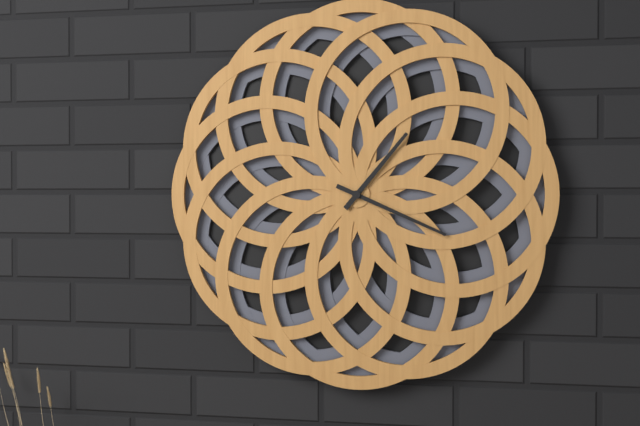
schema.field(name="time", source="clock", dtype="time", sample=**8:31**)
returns **1:19**
